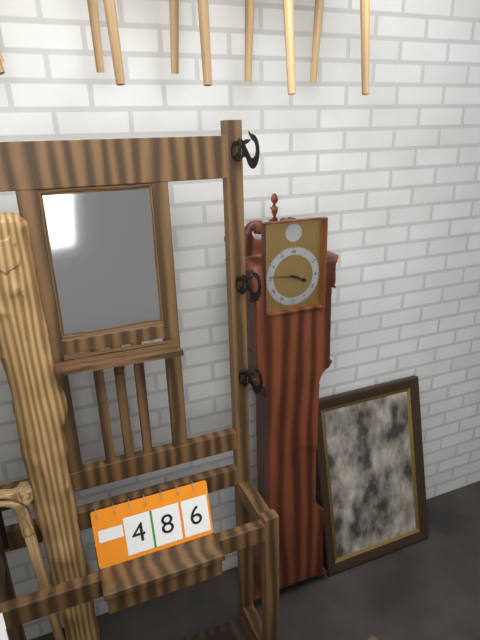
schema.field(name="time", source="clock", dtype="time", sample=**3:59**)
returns **3:46**
